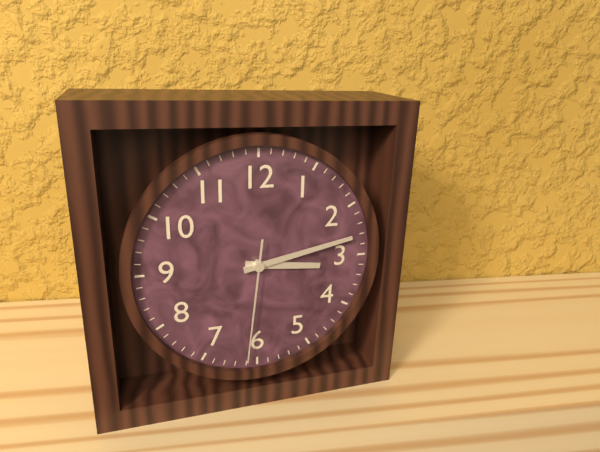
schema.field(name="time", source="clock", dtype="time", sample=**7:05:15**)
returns **3:13:31**
